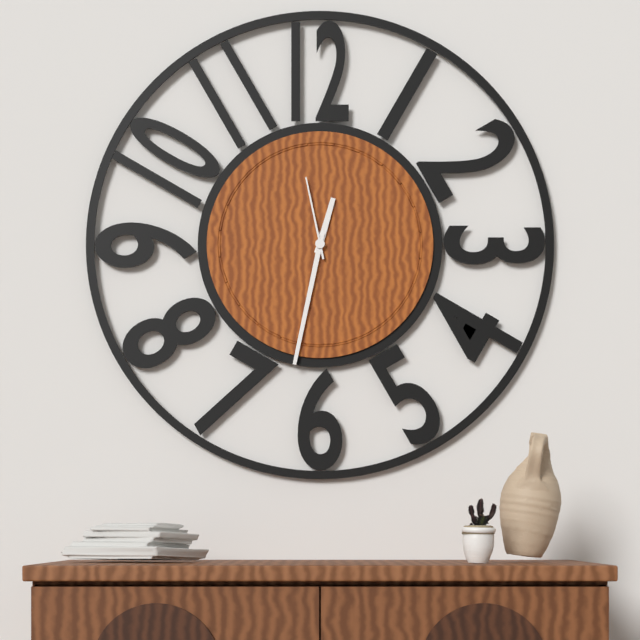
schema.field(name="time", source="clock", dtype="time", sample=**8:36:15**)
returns **12:32:58**
